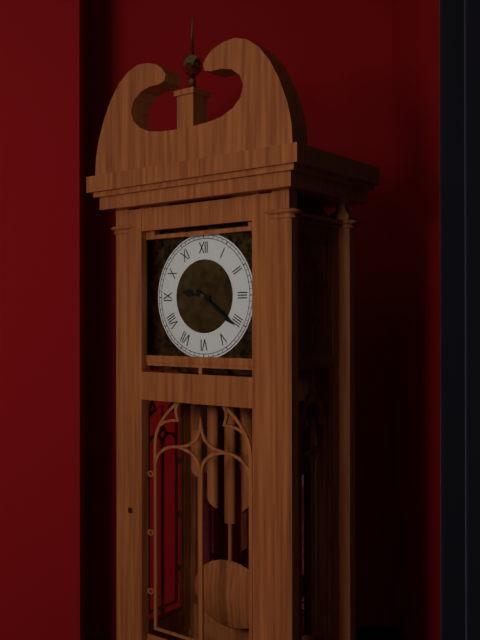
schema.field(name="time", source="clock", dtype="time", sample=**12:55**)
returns **9:21**
